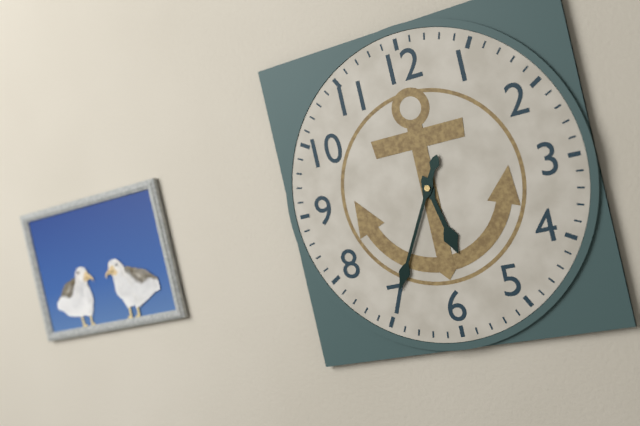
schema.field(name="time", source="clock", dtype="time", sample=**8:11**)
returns **5:35**
